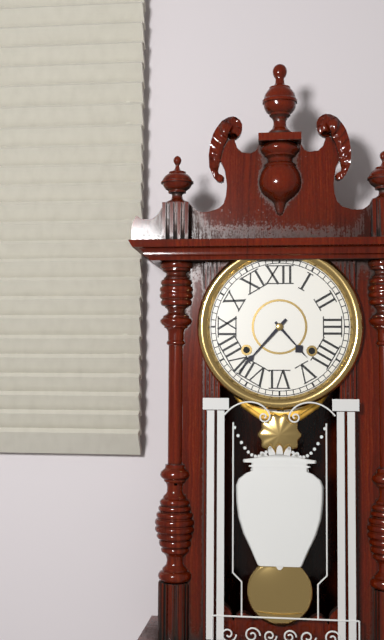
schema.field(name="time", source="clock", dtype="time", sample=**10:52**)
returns **4:37**
